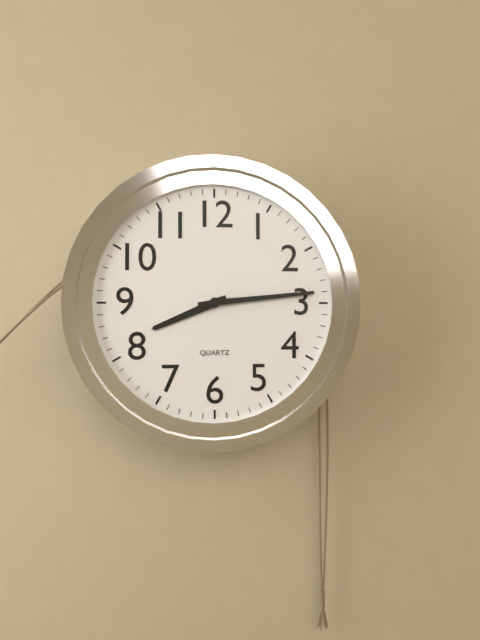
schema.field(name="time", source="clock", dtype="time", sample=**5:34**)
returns **8:14**
